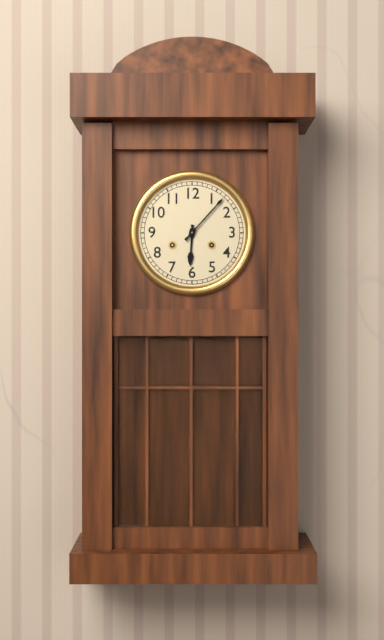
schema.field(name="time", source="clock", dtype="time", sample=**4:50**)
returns **6:07**
